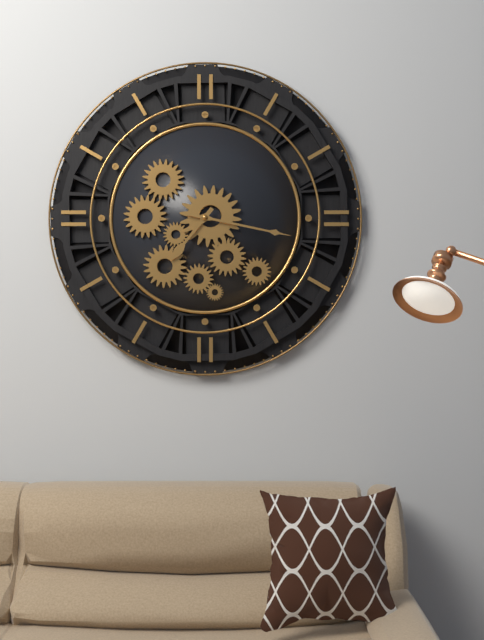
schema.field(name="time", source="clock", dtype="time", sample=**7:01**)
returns **7:17**
